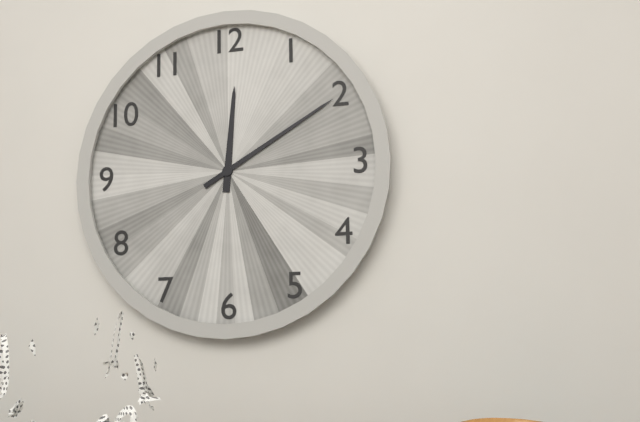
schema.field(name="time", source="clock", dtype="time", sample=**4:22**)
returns **12:10**
